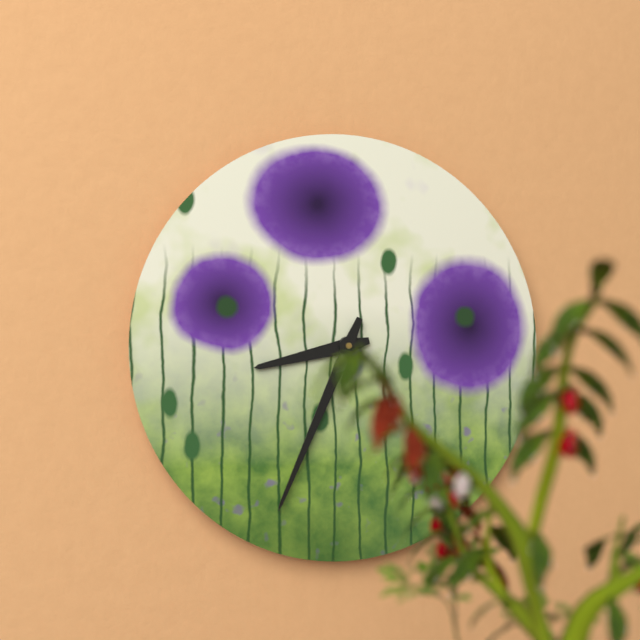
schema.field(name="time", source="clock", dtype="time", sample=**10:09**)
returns **8:34**
